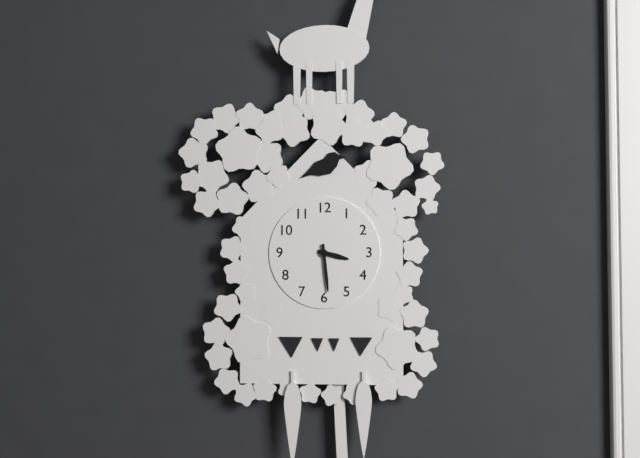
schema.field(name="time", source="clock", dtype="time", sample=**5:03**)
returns **3:29**
